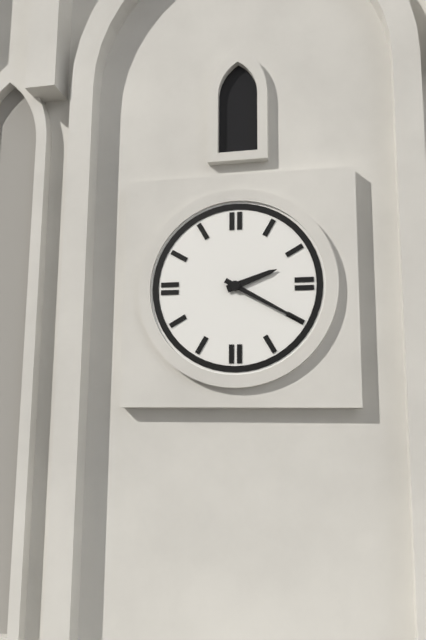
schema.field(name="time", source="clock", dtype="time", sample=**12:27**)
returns **2:20**
